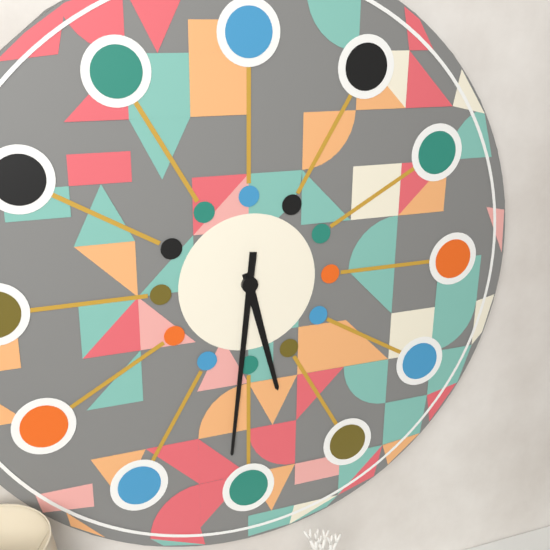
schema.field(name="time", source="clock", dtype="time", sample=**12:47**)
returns **5:31**
